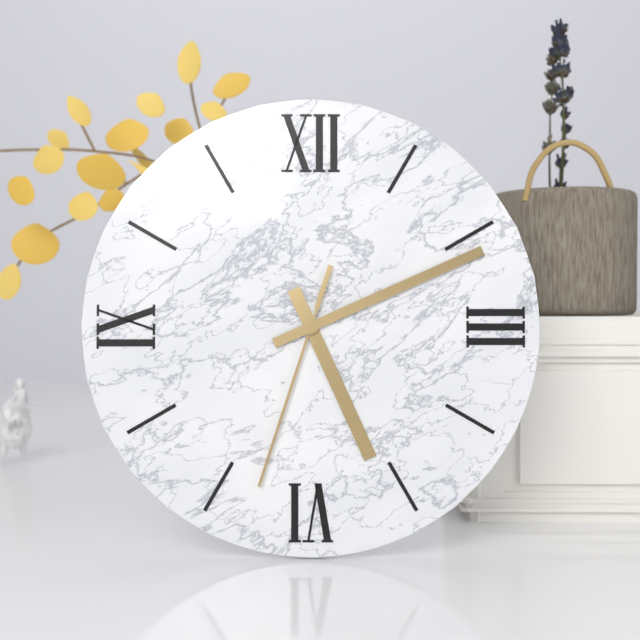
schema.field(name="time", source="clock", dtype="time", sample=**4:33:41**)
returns **5:11:33**
